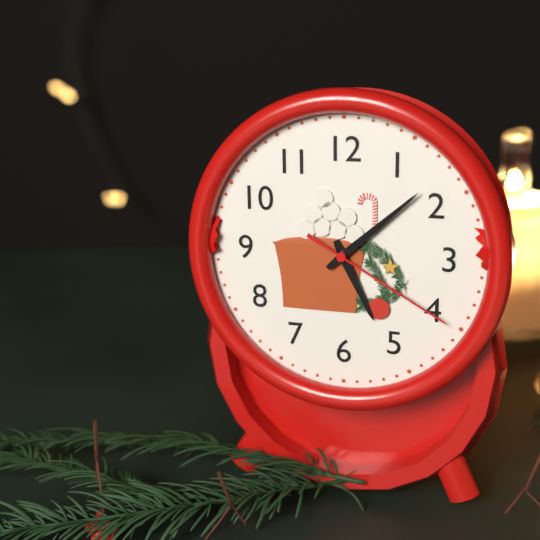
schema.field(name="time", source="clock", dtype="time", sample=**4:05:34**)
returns **5:08:20**
